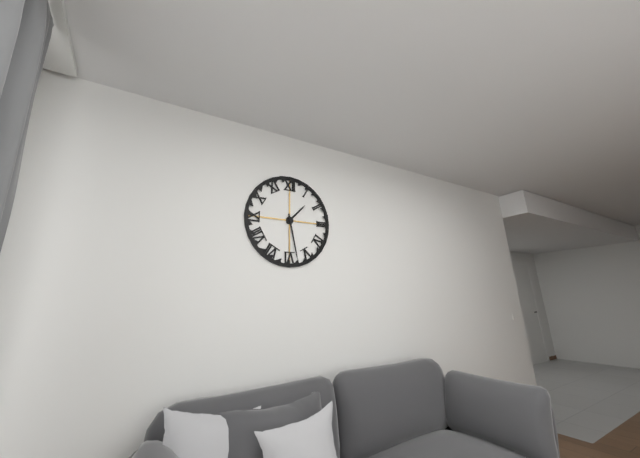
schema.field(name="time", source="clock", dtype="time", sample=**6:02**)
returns **1:28**
